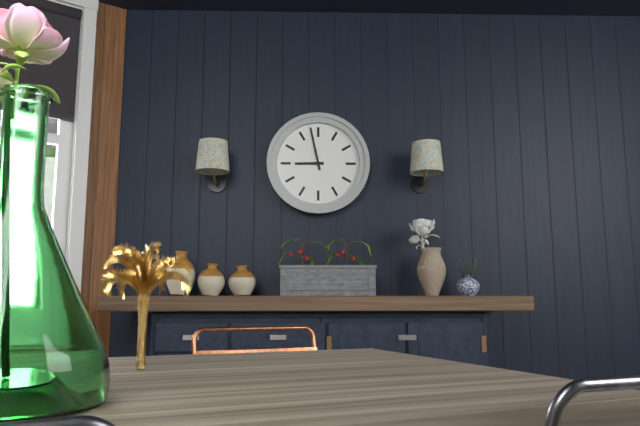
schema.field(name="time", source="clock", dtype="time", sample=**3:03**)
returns **8:58**
